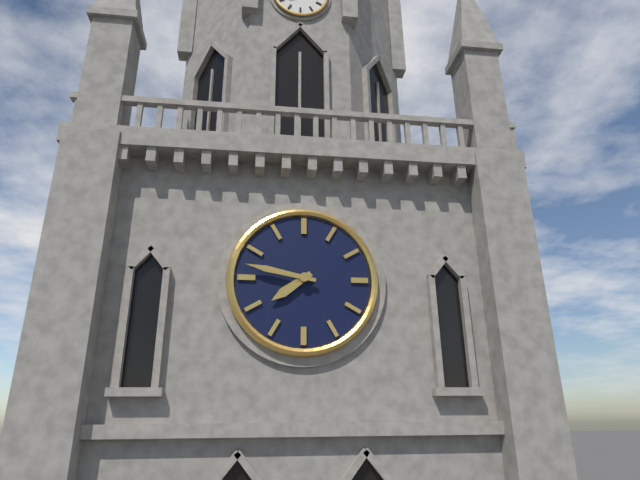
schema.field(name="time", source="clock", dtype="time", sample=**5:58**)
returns **7:47**
